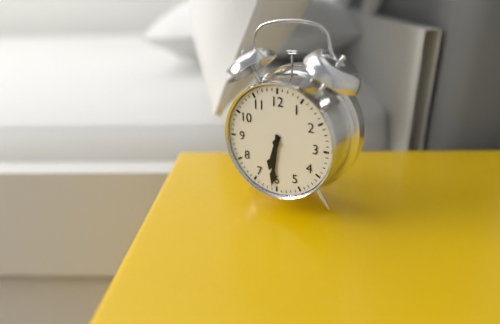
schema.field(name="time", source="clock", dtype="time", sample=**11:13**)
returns **6:31**
